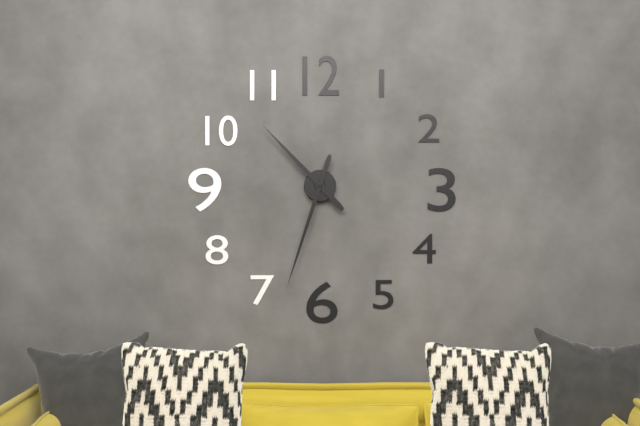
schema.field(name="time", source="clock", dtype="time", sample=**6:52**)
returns **10:33**
